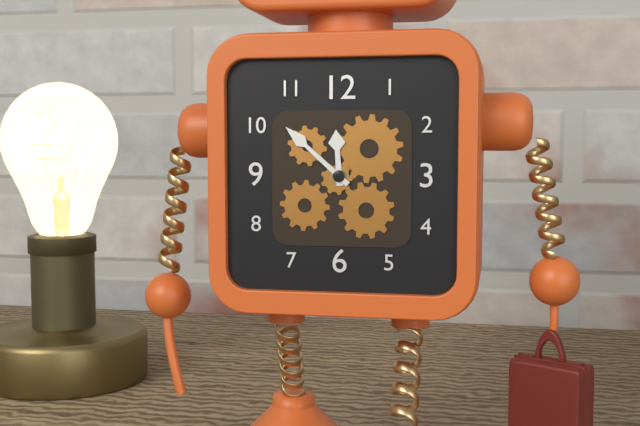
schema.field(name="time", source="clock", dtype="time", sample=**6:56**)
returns **11:52**
